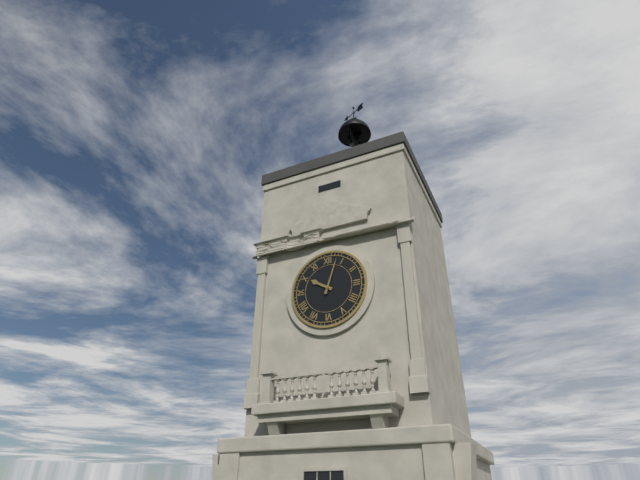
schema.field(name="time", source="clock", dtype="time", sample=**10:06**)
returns **10:03**
